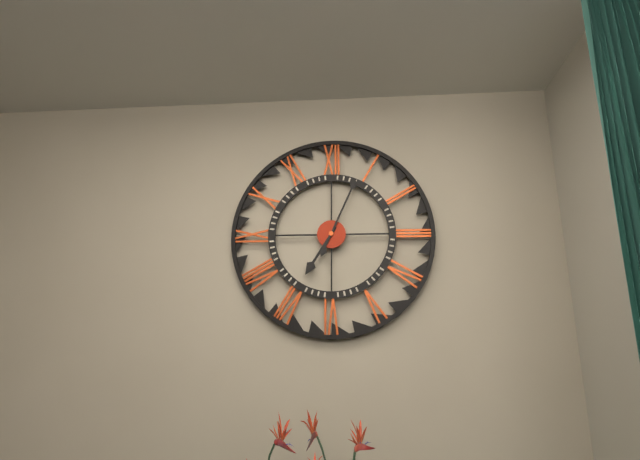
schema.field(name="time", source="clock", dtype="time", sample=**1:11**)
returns **7:04**
